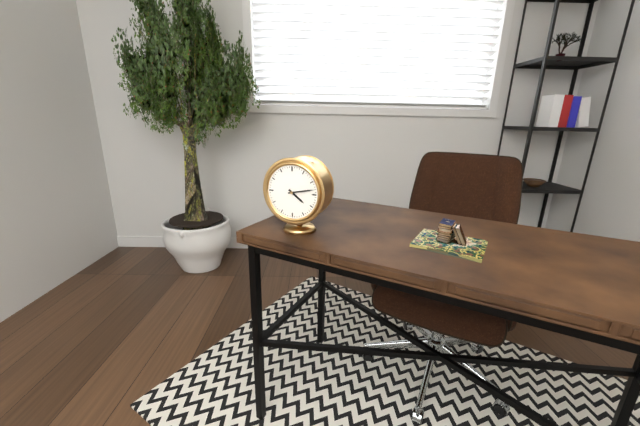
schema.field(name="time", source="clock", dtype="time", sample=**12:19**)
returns **4:13**
